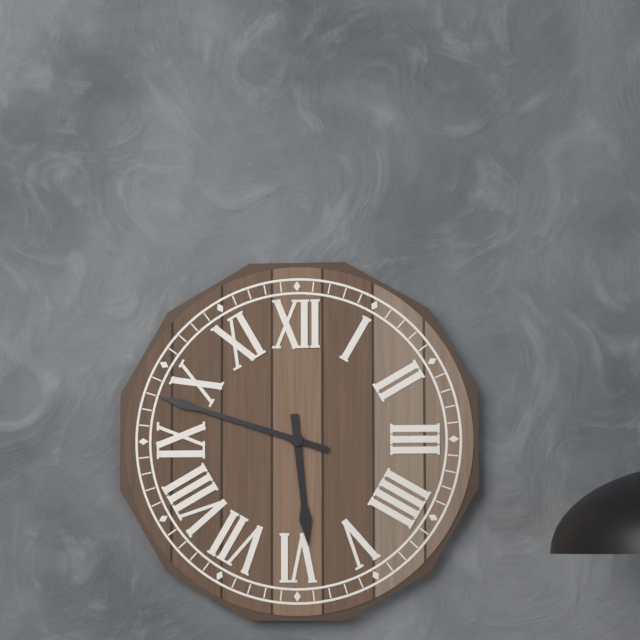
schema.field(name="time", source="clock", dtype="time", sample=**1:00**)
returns **5:48**
